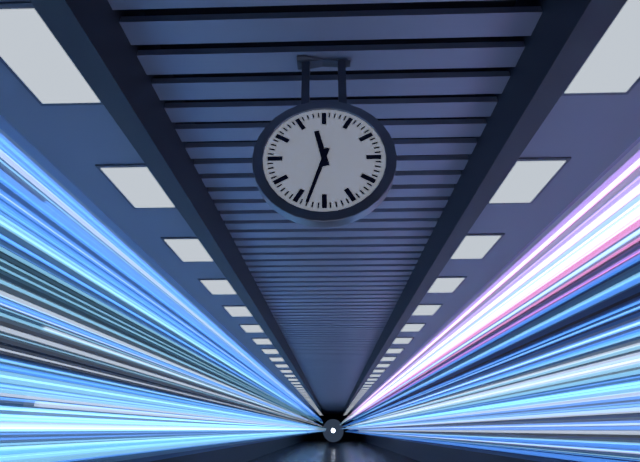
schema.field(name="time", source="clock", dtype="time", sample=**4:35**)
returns **11:33**
